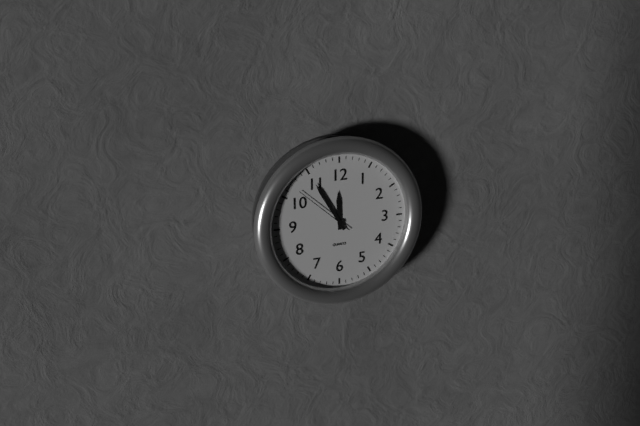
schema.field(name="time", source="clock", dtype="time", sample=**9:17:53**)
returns **11:55:52**
